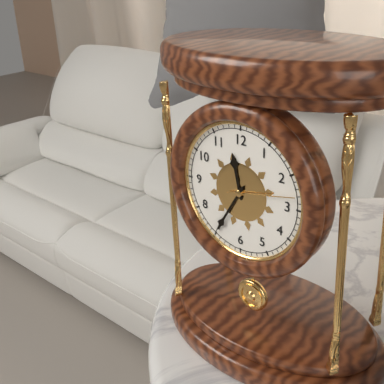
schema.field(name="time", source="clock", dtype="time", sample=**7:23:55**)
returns **11:35:13**
